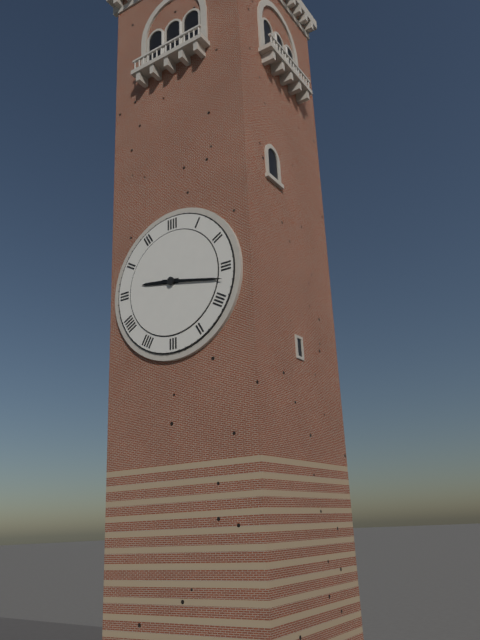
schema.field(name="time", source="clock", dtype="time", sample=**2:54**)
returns **9:17**
